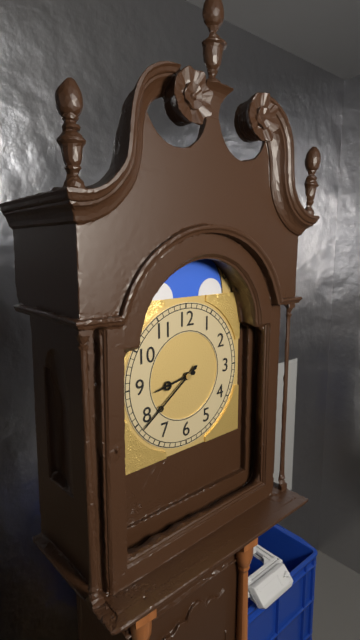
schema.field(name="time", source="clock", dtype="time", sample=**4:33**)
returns **8:39**
